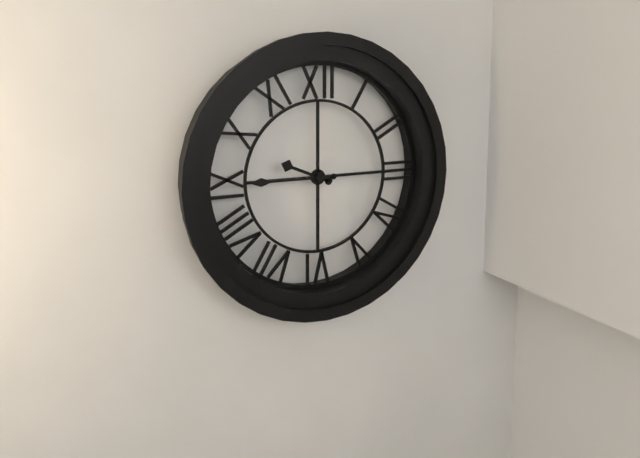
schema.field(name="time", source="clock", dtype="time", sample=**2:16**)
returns **9:45**
